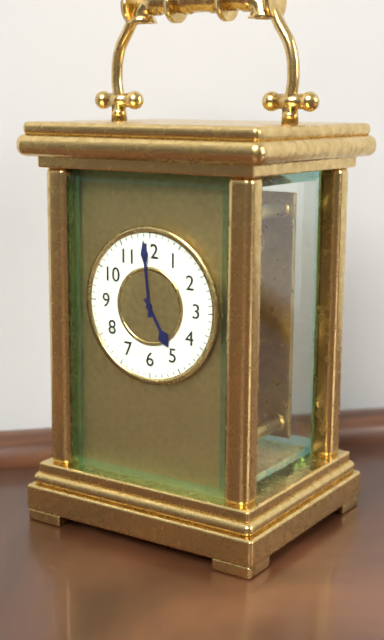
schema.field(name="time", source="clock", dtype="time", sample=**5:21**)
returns **4:59**
